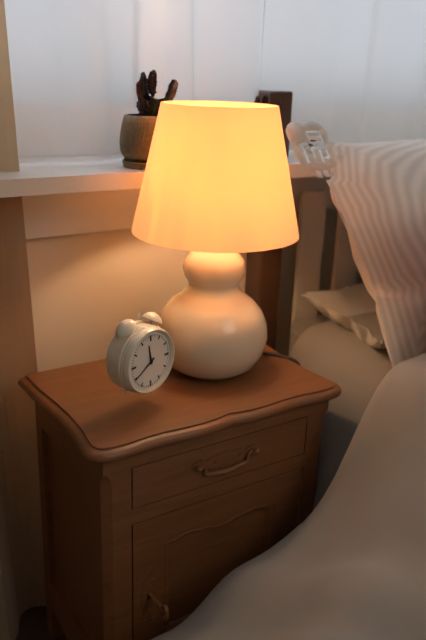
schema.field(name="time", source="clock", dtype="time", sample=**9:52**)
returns **11:40**
